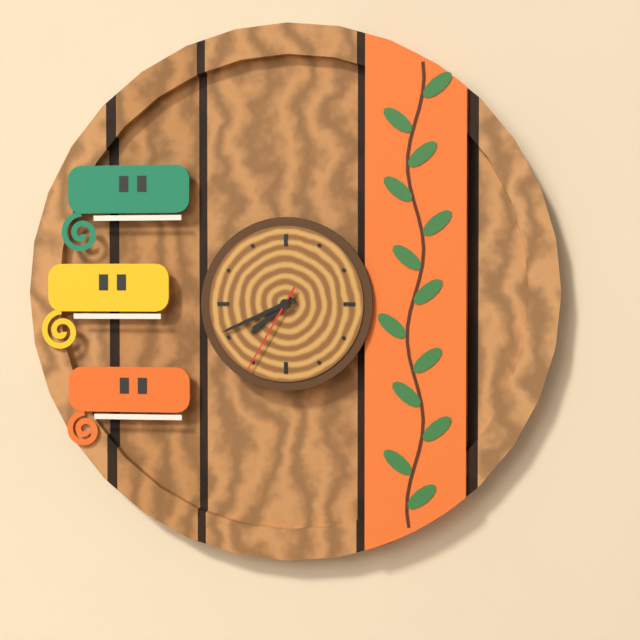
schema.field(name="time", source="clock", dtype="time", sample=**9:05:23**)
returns **7:41:35**
